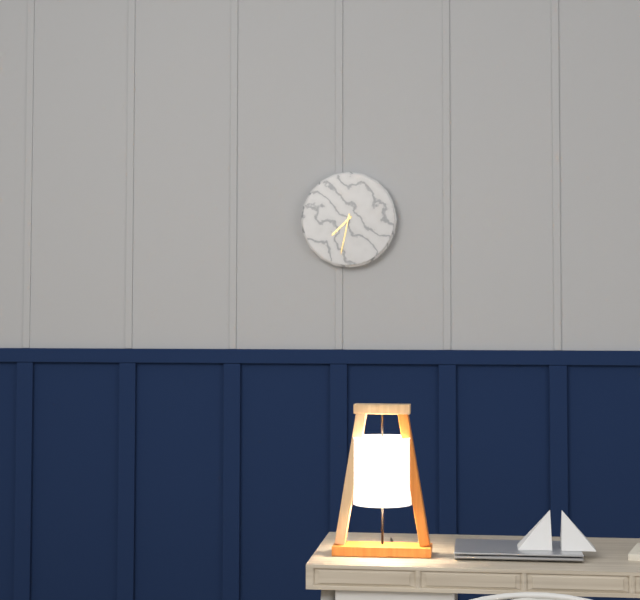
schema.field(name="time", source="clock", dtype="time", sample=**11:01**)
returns **7:32**
